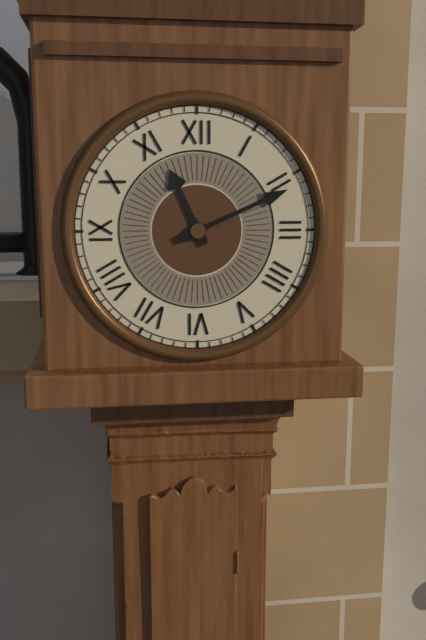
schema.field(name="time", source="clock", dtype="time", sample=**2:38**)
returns **11:11**
